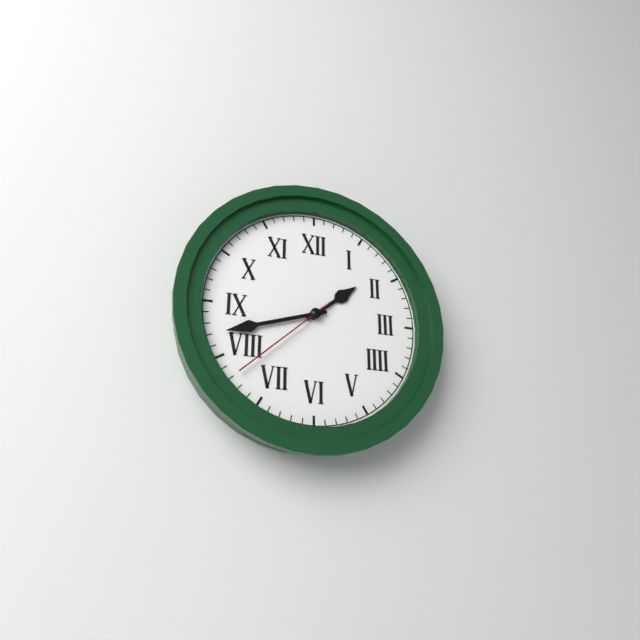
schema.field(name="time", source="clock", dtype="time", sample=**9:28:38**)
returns **1:42:38**
